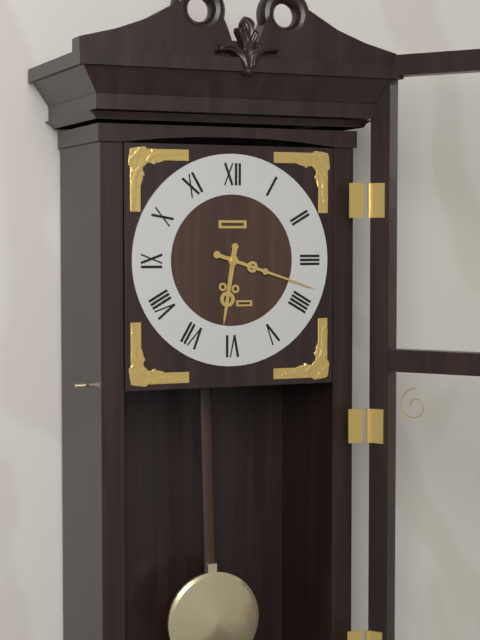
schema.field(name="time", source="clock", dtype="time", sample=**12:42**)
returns **6:18**
